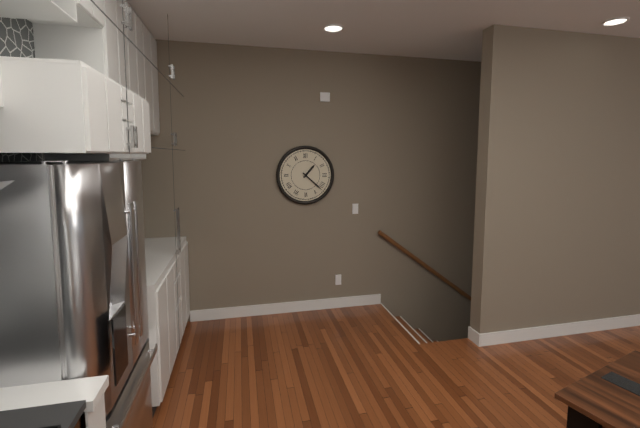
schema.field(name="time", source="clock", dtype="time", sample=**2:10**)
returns **1:22**
